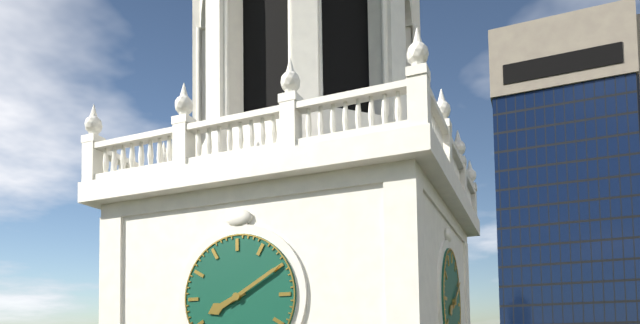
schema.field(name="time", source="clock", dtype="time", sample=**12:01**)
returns **8:10**
